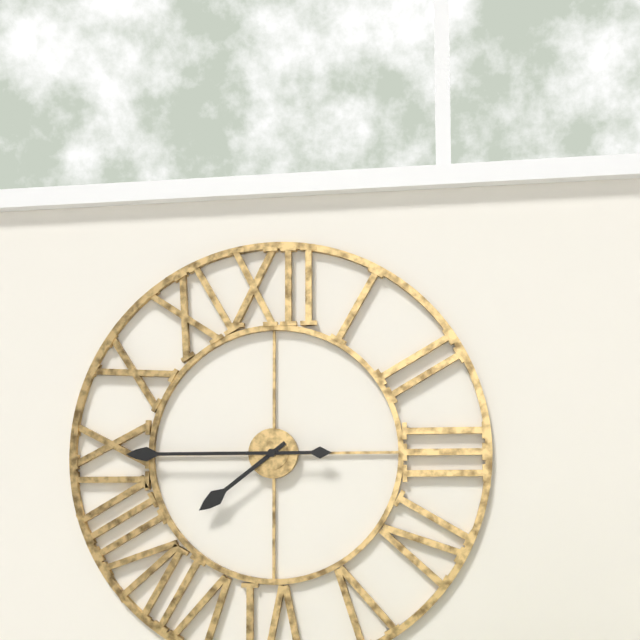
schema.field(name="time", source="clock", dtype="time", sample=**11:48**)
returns **7:45**
